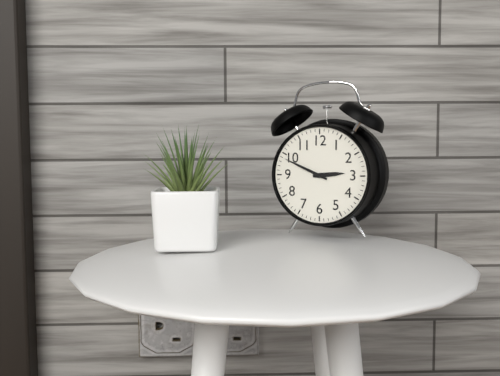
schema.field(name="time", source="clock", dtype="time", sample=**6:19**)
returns **2:49**
